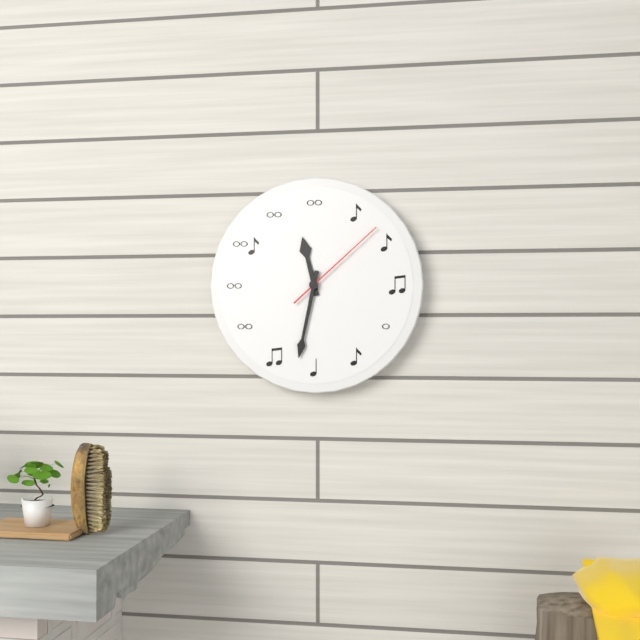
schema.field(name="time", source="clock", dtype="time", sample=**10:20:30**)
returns **11:32:08**
